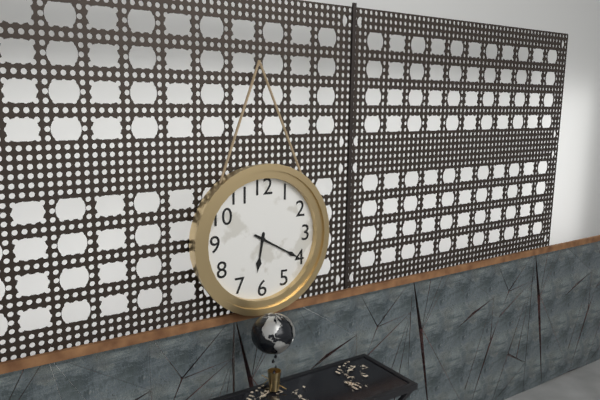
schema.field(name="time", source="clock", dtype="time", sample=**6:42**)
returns **6:20**
